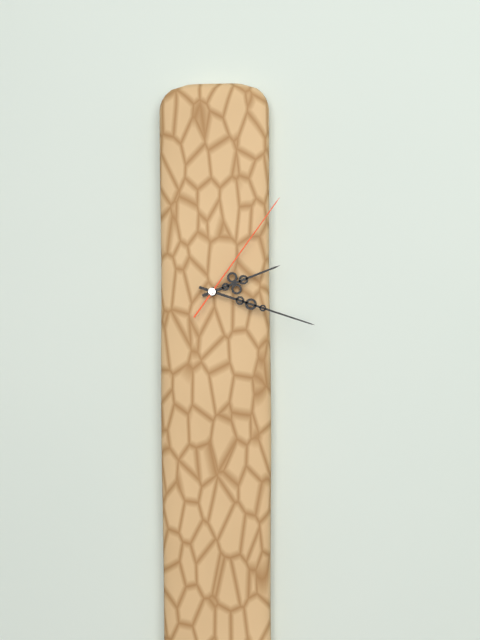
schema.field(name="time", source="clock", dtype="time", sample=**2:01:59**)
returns **2:18:06**
